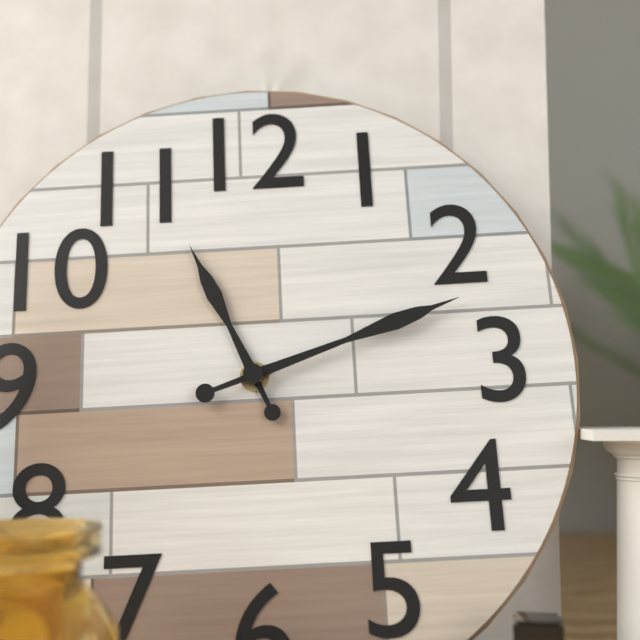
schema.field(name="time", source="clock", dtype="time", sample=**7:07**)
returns **11:12**
